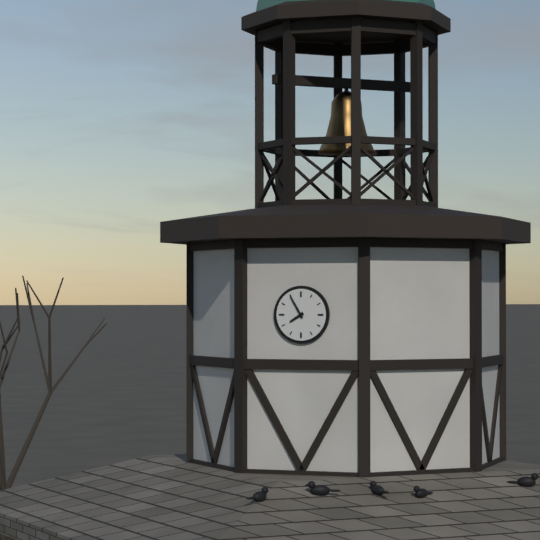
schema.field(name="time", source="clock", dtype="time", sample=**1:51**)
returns **7:55**
